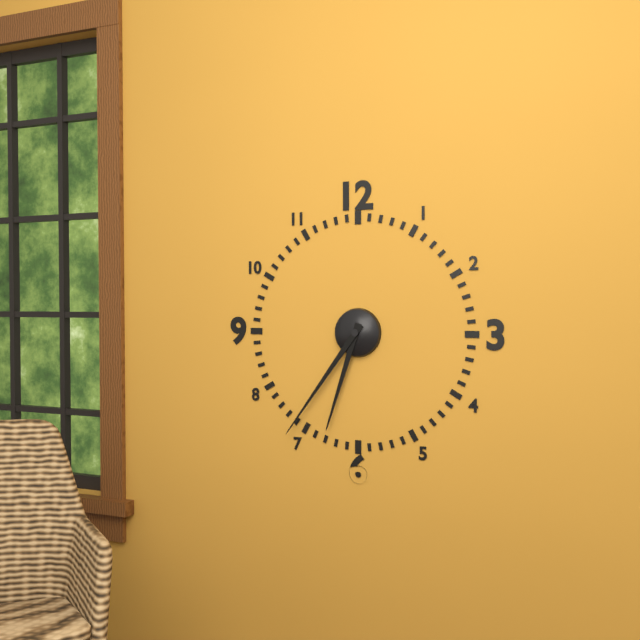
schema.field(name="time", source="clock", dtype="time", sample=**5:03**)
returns **6:36**
